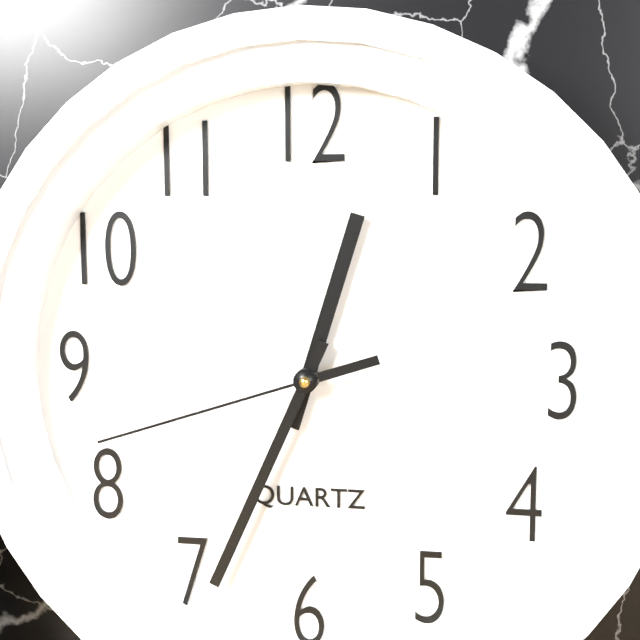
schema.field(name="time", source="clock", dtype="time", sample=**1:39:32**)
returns **12:34:42**
